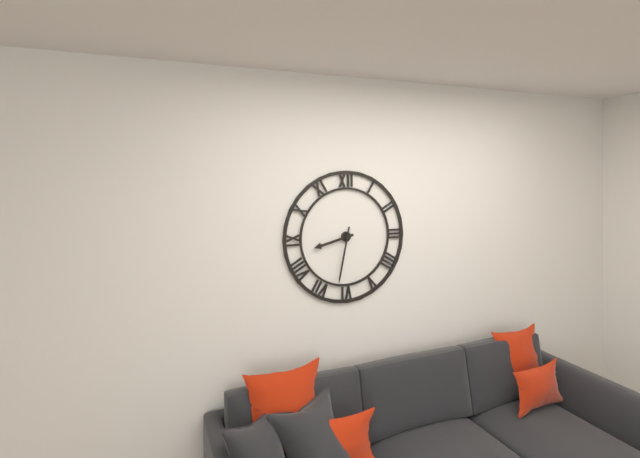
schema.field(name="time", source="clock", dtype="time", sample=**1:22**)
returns **8:32**
